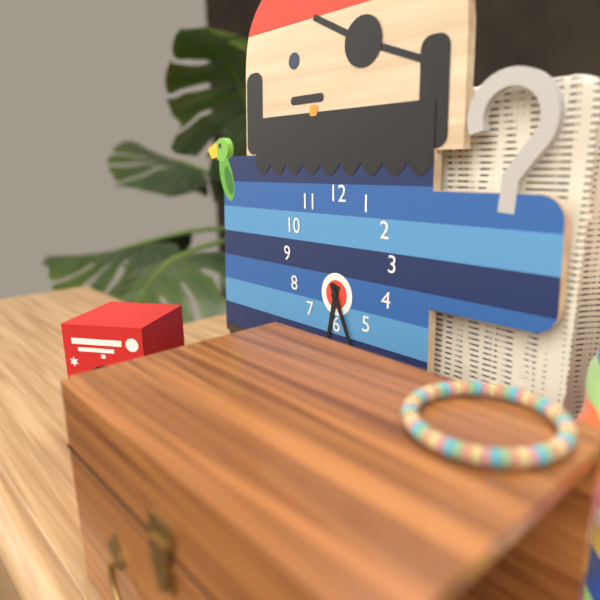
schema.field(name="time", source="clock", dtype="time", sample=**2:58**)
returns **6:26**
